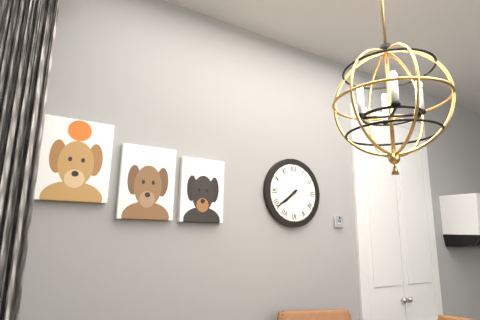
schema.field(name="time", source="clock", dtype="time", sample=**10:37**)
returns **7:39**
